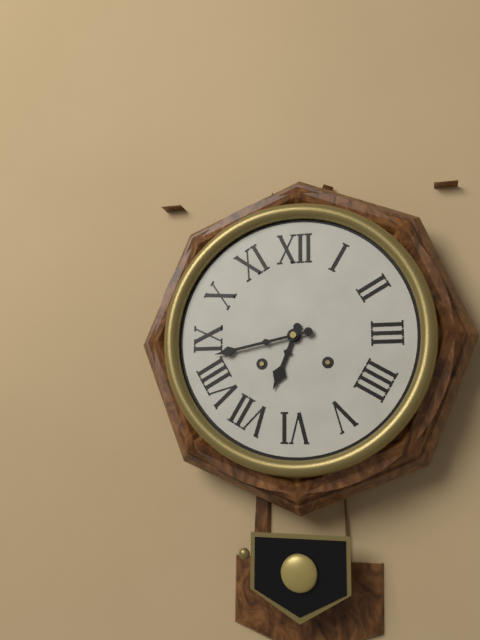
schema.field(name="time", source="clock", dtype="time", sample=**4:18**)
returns **6:43**
